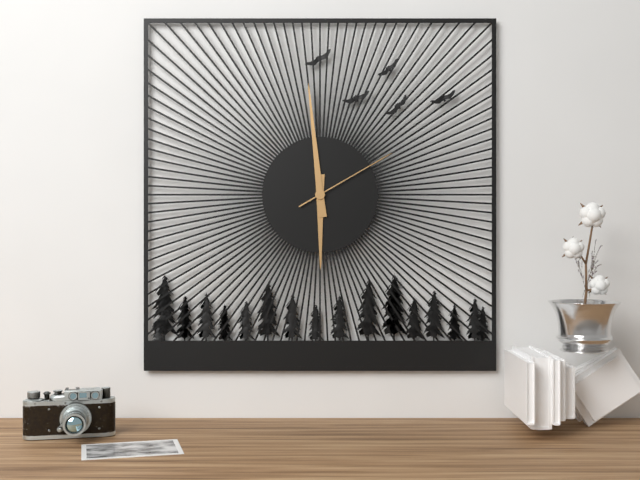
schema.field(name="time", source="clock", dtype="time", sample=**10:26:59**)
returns **5:59:10**
